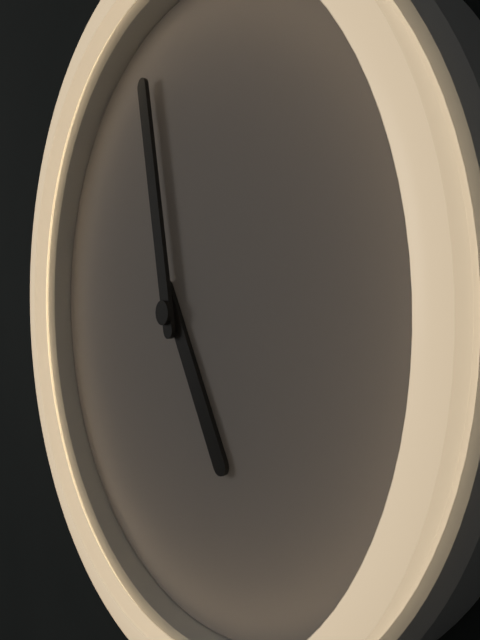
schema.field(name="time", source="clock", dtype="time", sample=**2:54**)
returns **4:58**
